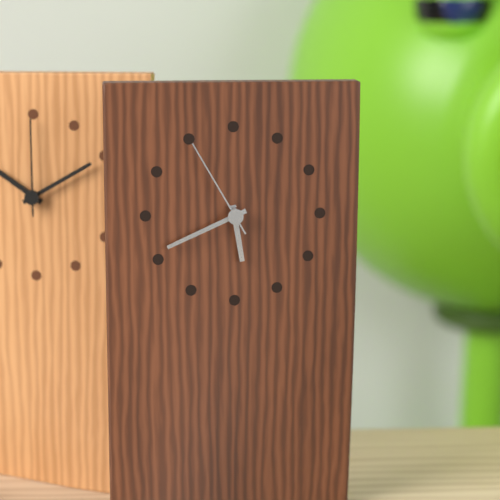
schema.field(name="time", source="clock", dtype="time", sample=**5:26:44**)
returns **5:41:55**
